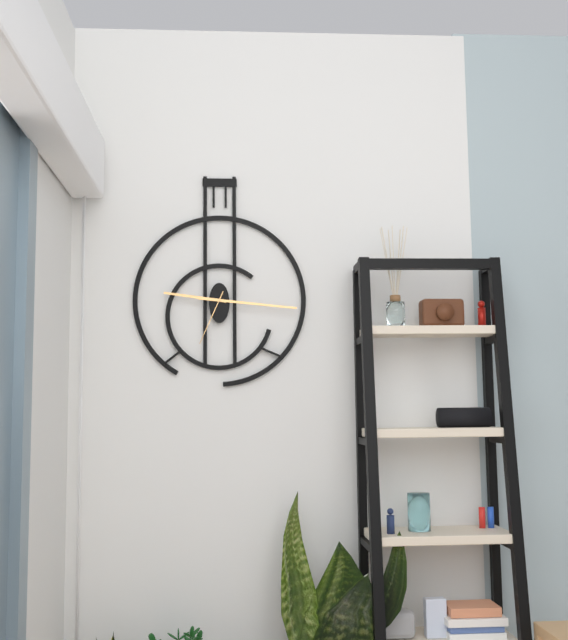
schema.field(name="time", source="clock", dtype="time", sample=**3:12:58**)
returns **9:16:34**
